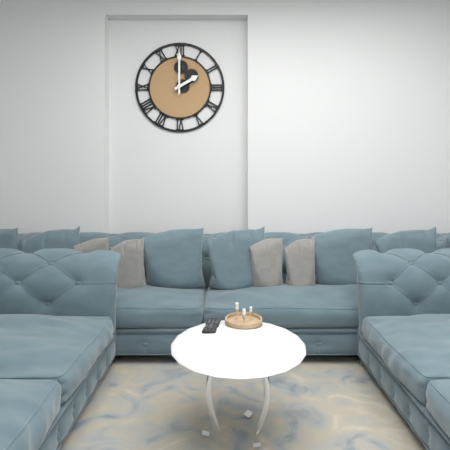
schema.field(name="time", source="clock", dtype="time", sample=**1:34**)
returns **2:00**
